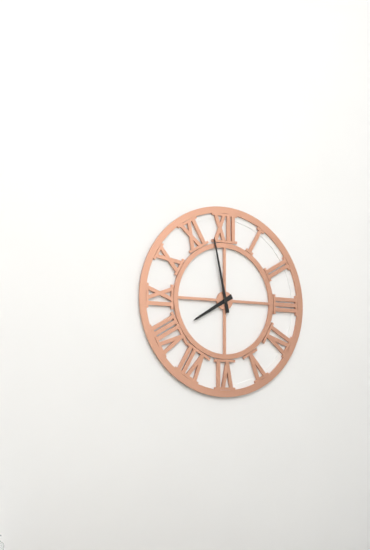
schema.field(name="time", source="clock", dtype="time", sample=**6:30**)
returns **7:58**
